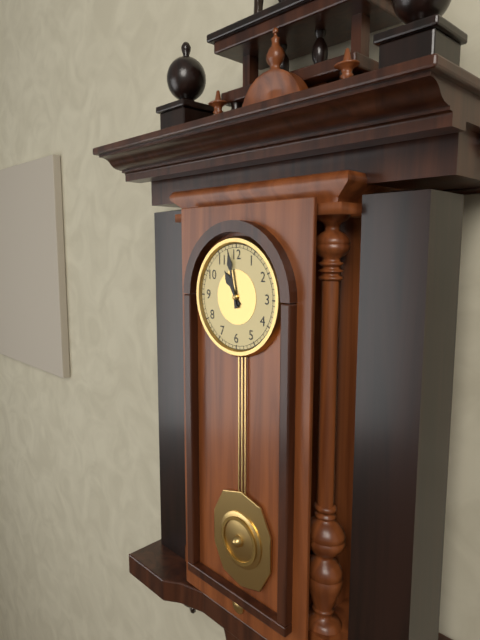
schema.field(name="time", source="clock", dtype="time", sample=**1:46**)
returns **10:58**
